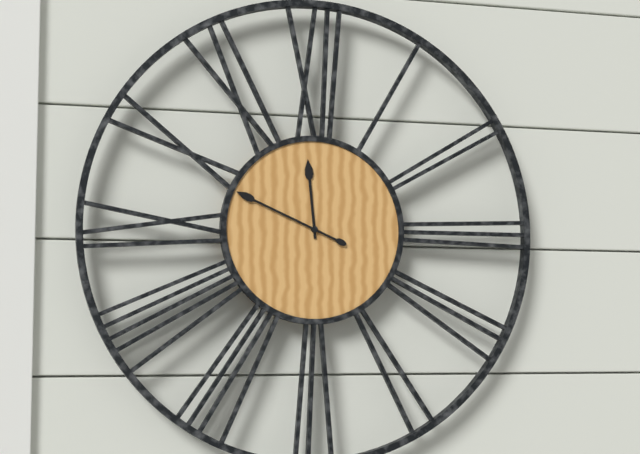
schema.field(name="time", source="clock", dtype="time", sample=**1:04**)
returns **11:49**
